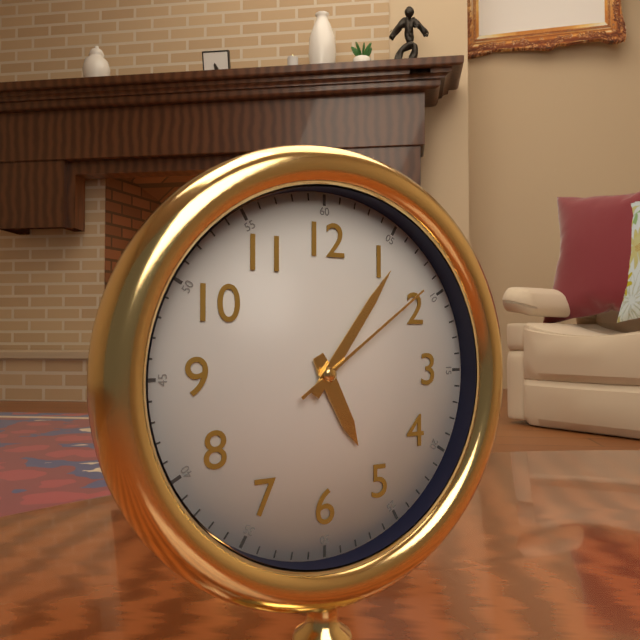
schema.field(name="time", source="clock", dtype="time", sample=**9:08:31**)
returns **5:06:09**
